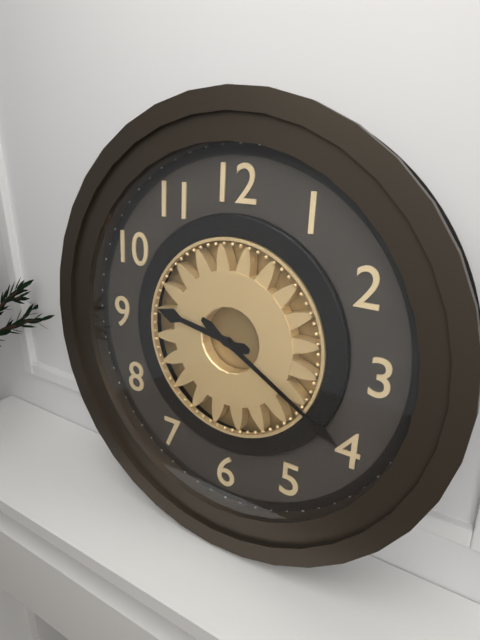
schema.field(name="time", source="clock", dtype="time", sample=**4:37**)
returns **9:20**
